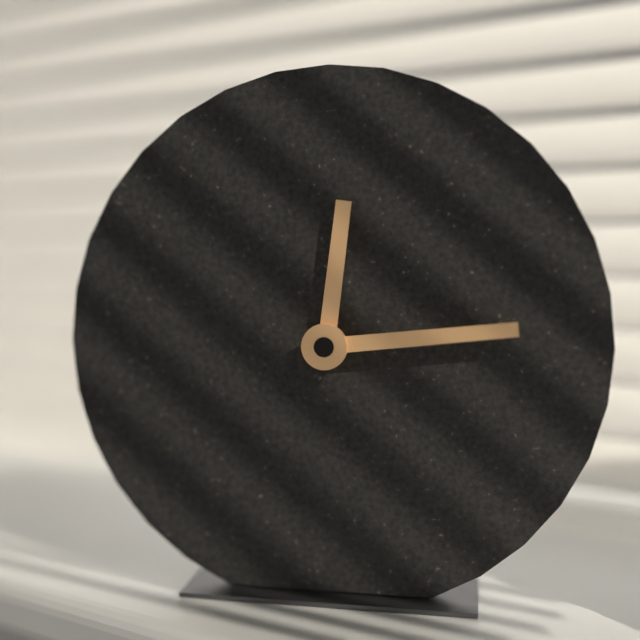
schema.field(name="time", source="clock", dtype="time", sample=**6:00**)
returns **12:14**
